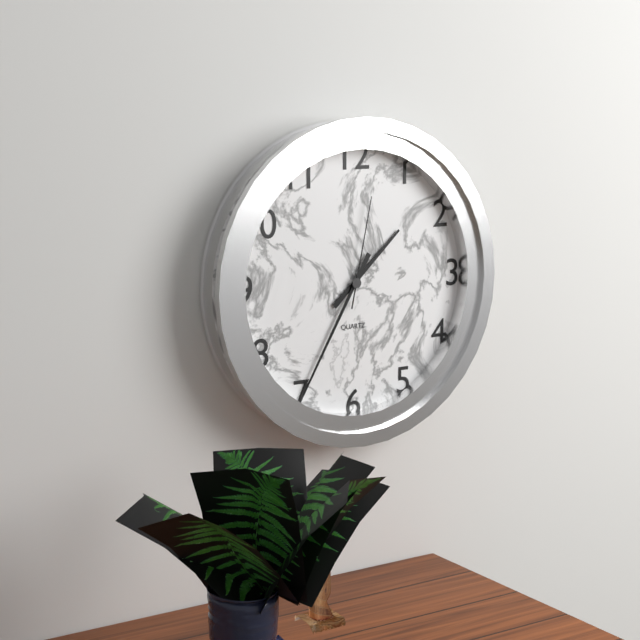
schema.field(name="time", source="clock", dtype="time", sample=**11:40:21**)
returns **1:35:02**
